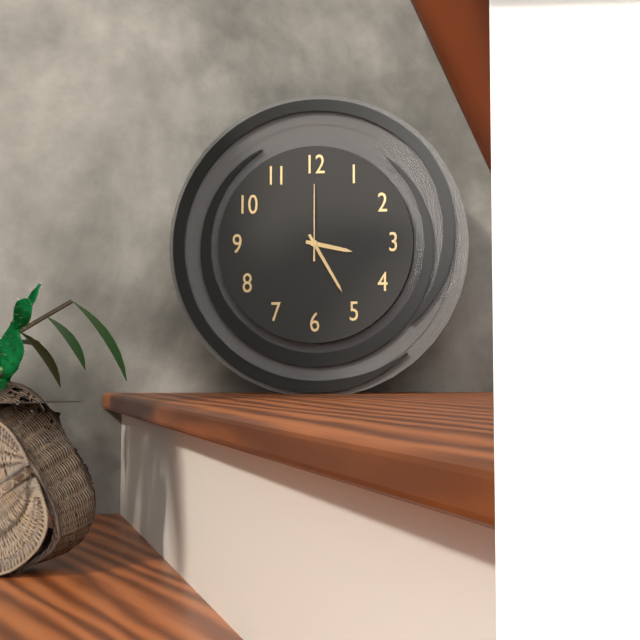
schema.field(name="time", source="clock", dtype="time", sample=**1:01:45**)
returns **3:25:00**
